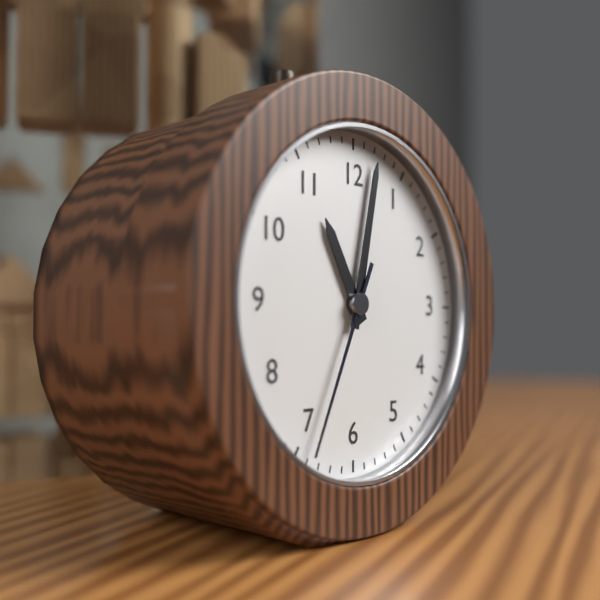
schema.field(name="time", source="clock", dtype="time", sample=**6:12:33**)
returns **11:02:34**
